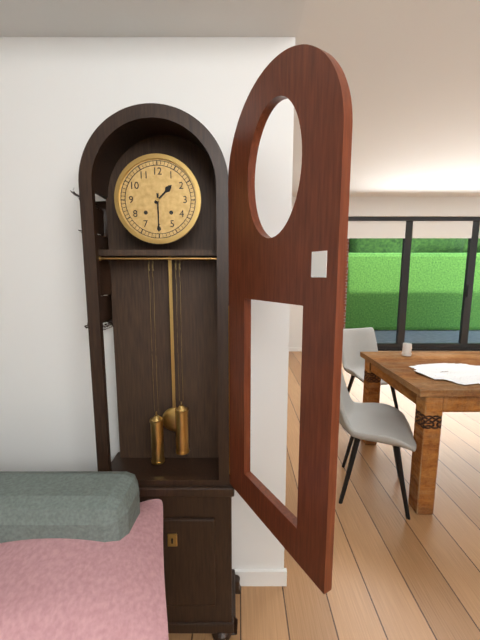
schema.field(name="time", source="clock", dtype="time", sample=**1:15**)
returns **1:30**
